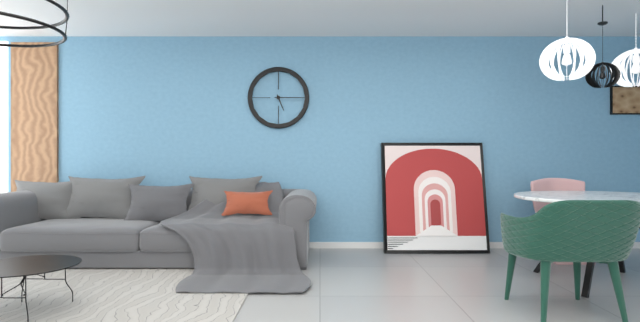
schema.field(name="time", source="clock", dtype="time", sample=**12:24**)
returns **5:15**
